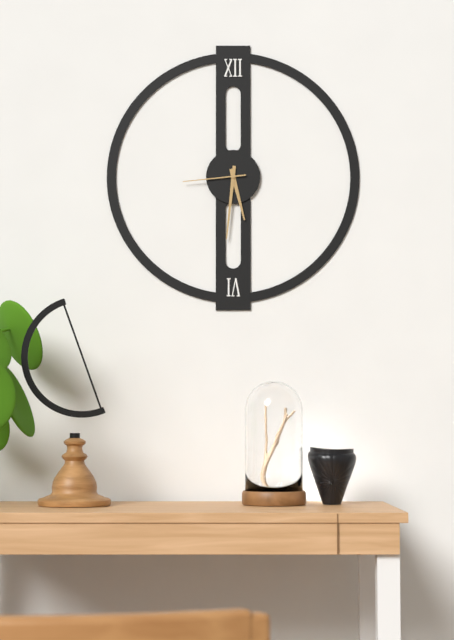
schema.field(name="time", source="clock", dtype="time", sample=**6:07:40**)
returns **5:31:44**
